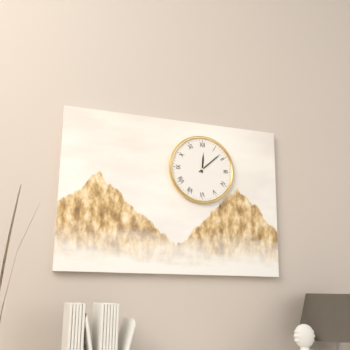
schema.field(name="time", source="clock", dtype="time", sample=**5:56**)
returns **12:08**
